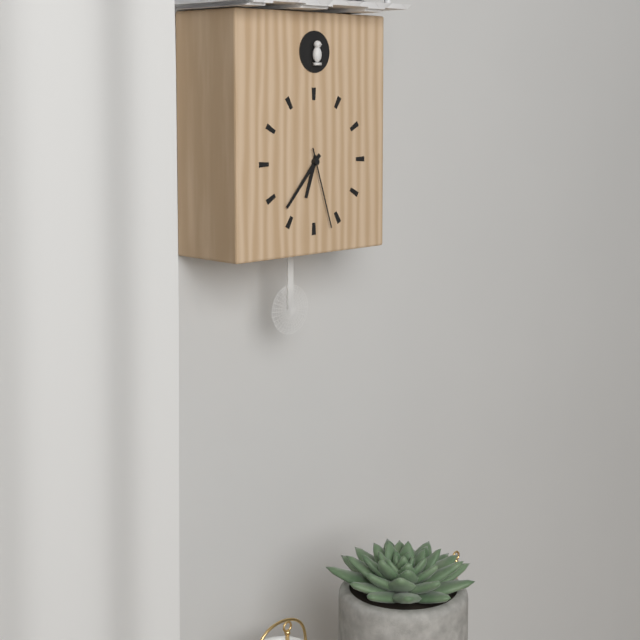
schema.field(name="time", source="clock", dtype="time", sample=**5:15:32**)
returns **6:37:27**
